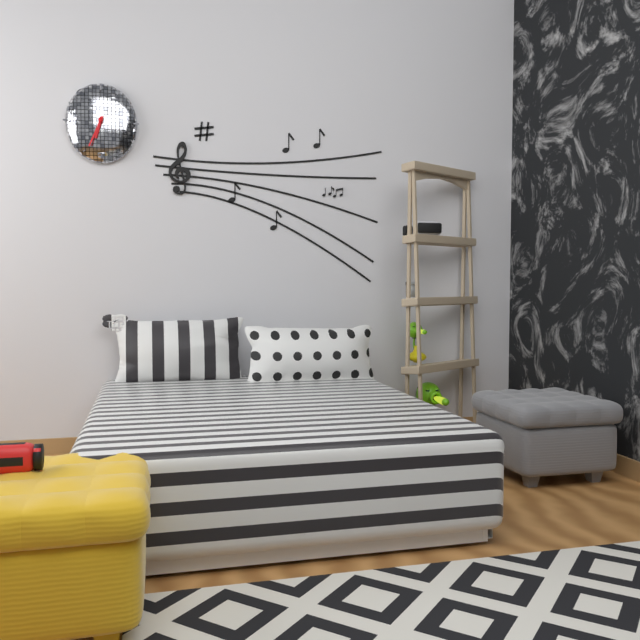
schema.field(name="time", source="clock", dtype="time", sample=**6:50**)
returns **6:34**
